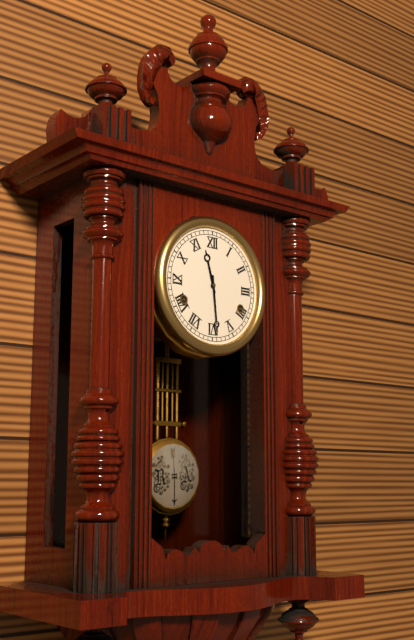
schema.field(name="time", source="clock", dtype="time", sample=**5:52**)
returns **11:29**
